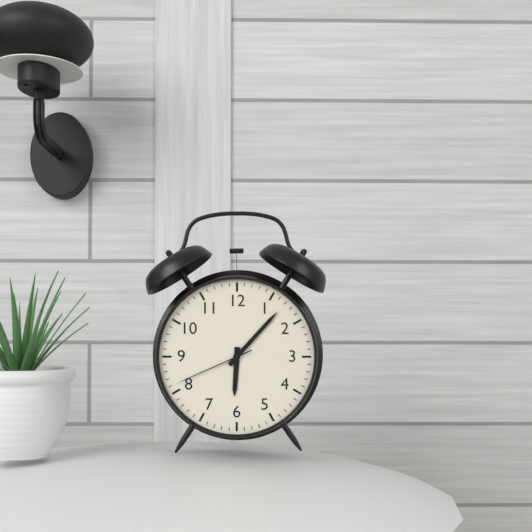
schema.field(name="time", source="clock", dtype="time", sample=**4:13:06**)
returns **6:07:41**
